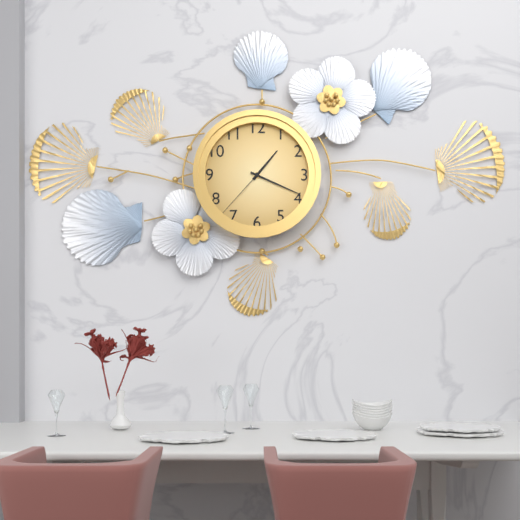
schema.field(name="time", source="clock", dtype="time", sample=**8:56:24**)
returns **1:19:37**
